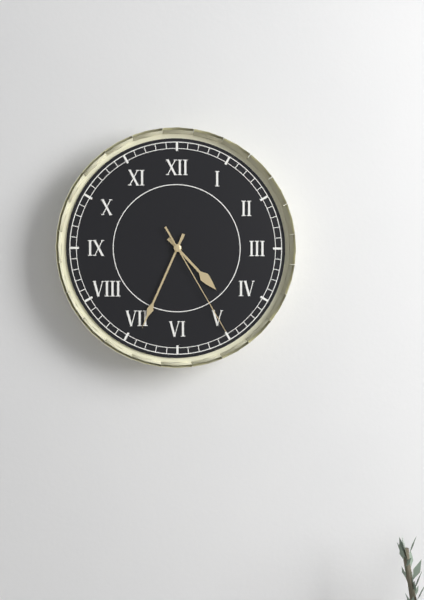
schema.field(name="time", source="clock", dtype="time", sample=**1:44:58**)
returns **4:34:25**
